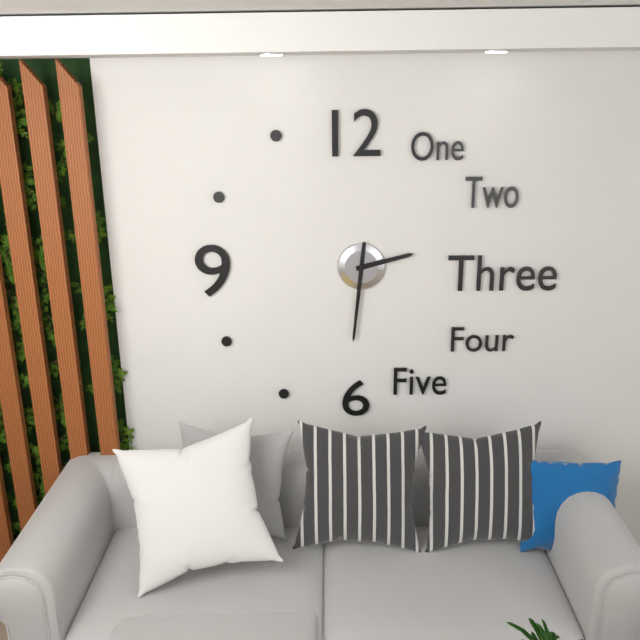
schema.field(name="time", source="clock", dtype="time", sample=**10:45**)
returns **2:31**
